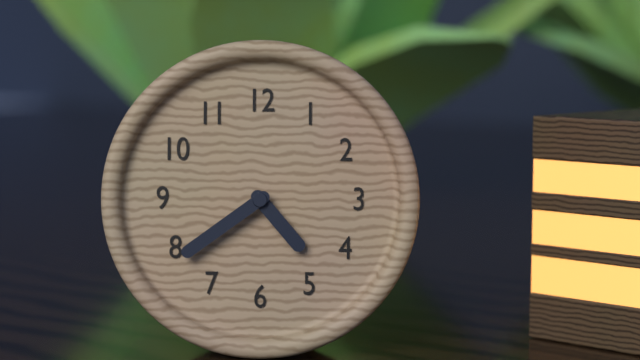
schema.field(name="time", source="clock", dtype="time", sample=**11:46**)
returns **4:39**
